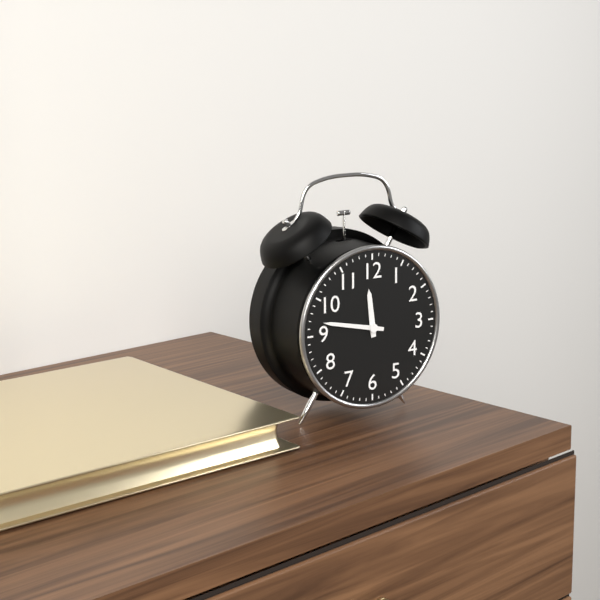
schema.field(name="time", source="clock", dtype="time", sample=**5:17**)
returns **11:47**
